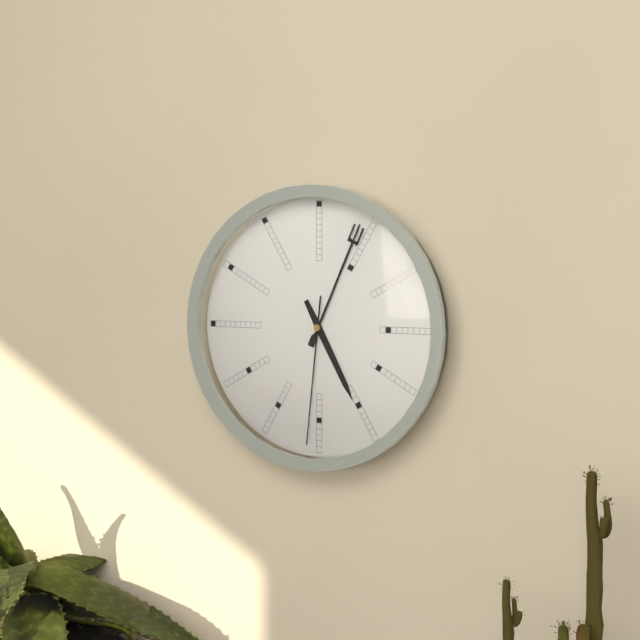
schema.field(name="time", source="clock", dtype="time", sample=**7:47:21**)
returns **5:04:31**
